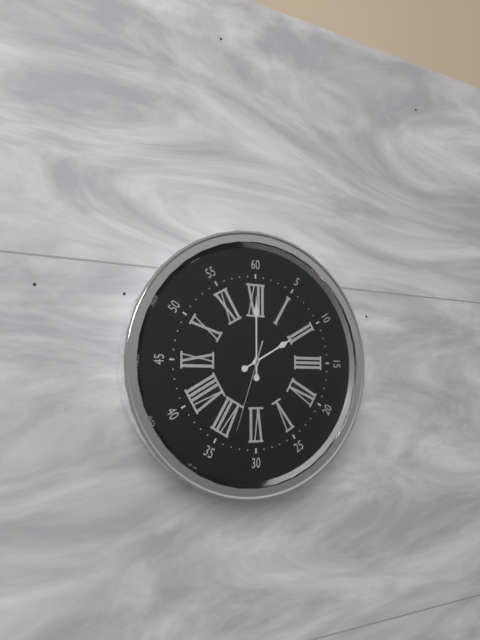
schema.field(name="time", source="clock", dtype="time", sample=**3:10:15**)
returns **2:00:33**
